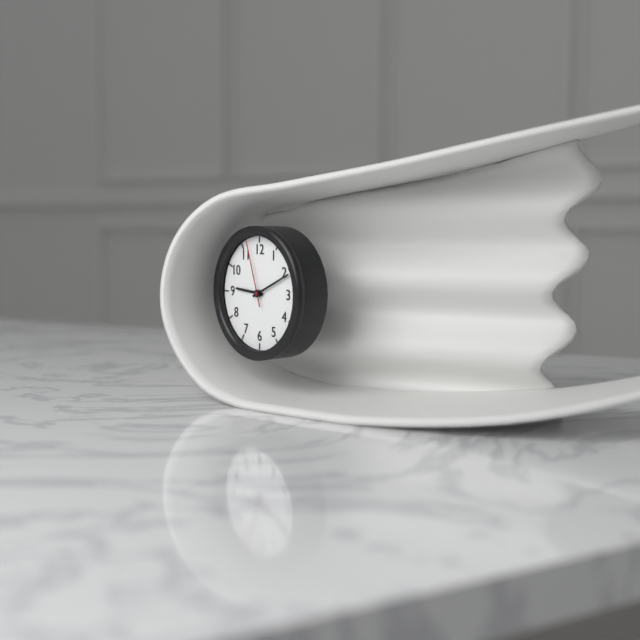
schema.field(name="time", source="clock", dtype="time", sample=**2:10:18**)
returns **9:11:57**
